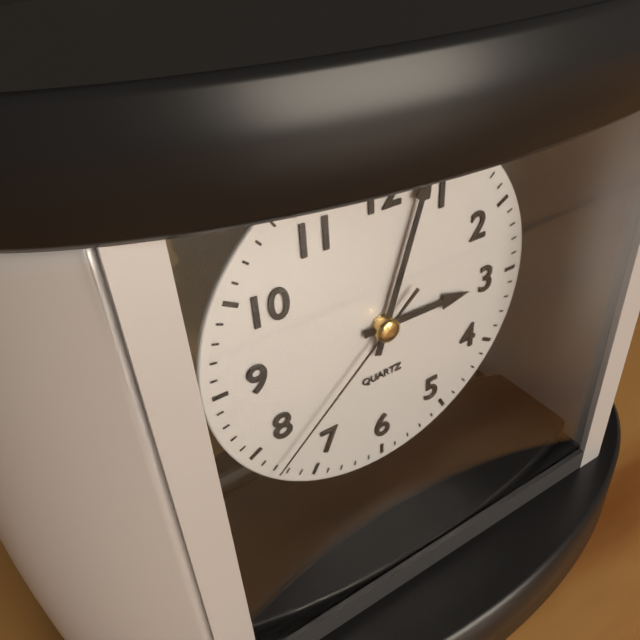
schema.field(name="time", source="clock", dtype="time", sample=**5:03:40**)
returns **3:03:38**
